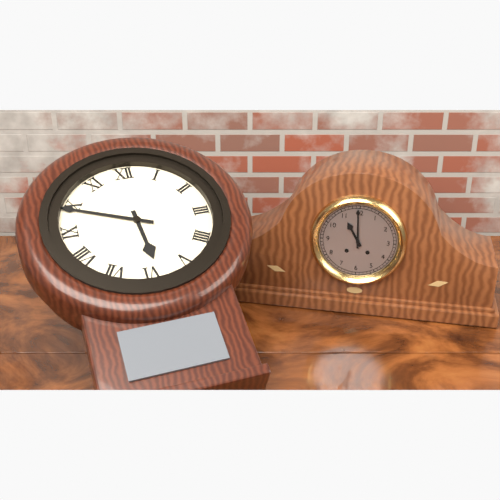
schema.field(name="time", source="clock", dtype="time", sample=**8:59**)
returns **5:49**
